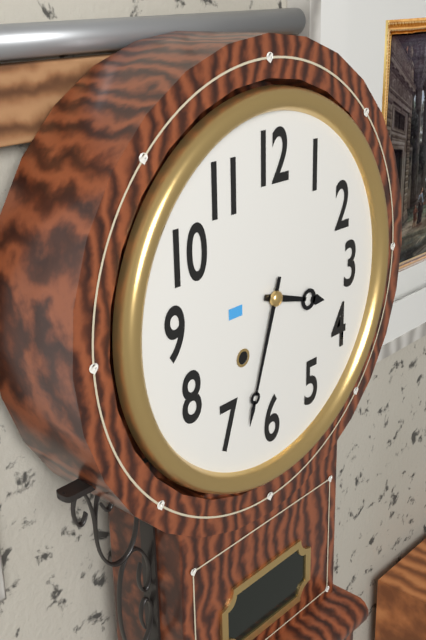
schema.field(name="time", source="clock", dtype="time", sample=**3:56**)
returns **3:33**
